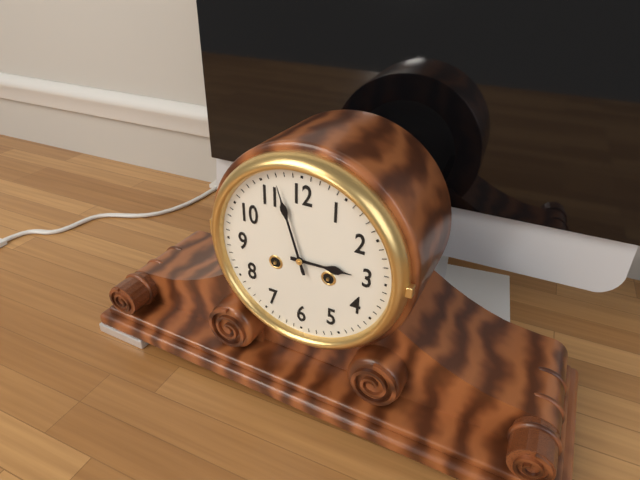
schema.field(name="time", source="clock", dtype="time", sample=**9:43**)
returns **2:57**
